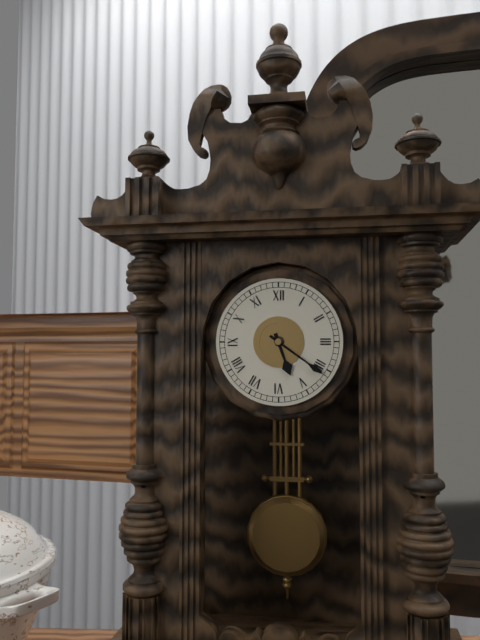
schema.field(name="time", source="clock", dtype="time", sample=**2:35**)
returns **5:21**
